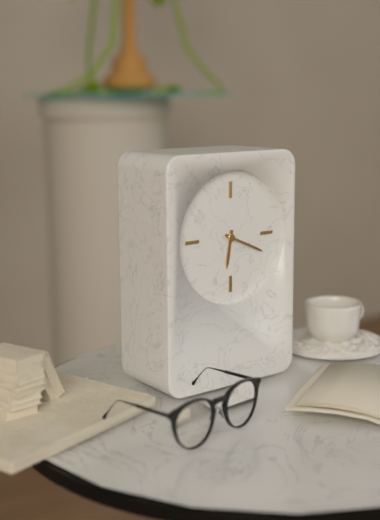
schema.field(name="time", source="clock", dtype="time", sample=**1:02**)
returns **6:19**
